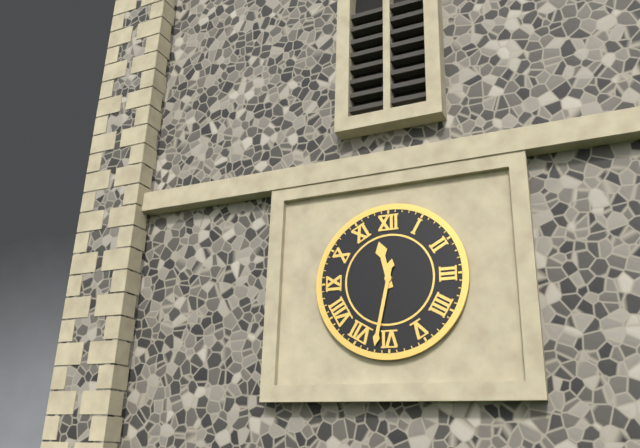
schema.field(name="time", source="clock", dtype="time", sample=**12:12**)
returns **11:32**
